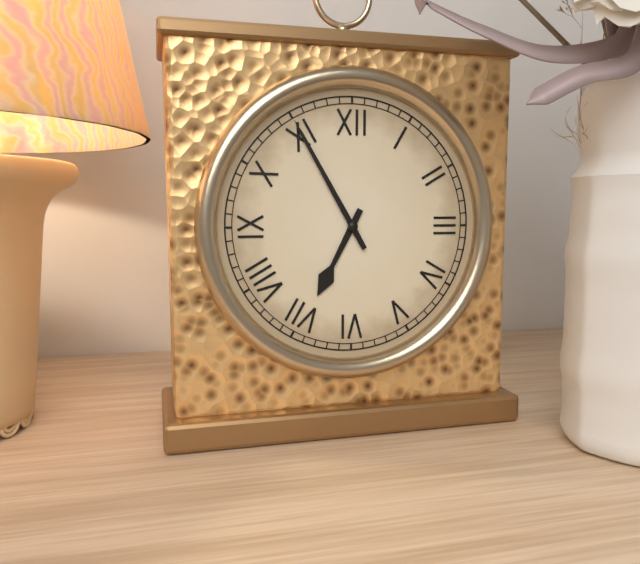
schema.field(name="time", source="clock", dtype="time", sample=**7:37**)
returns **6:55**
